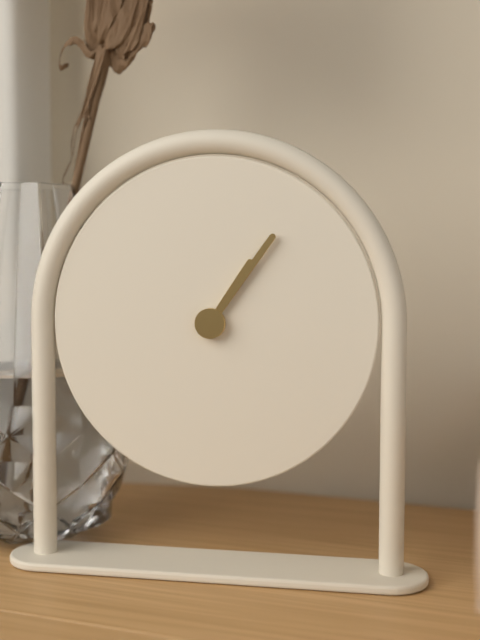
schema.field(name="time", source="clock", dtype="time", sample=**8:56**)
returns **1:06**
